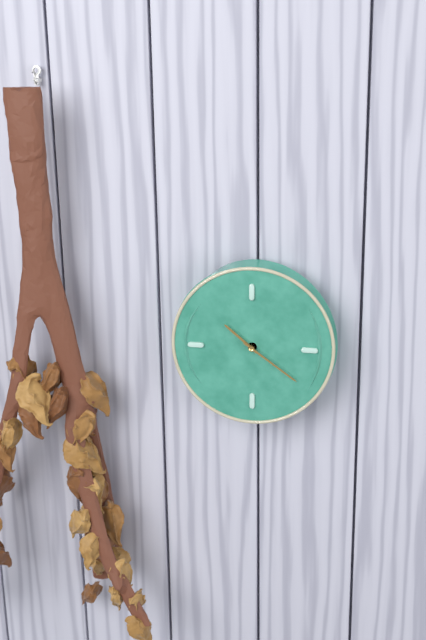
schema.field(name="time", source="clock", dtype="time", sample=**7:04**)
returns **10:21**
